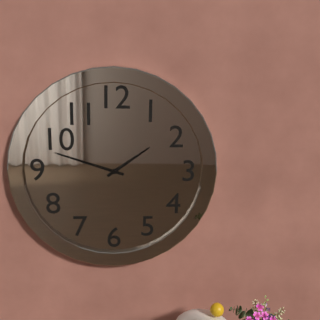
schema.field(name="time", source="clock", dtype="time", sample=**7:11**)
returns **1:48**
